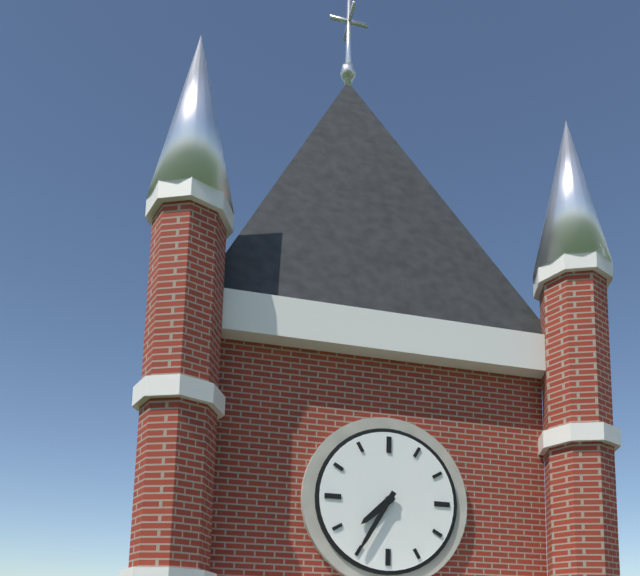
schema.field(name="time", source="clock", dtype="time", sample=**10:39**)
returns **7:35**
